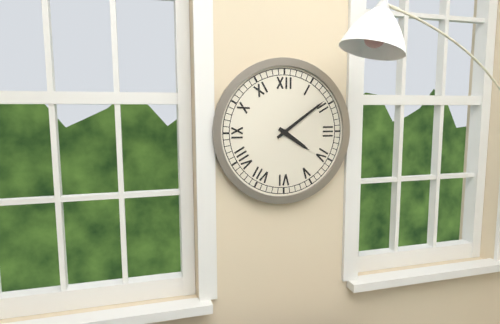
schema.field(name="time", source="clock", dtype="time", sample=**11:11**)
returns **4:09**
